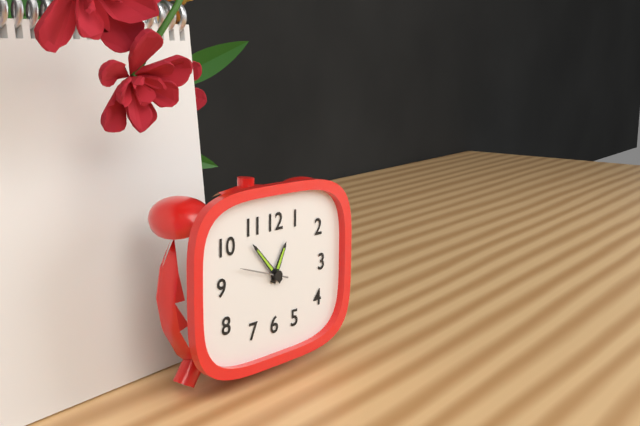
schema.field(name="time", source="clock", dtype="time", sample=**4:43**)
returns **12:53**
